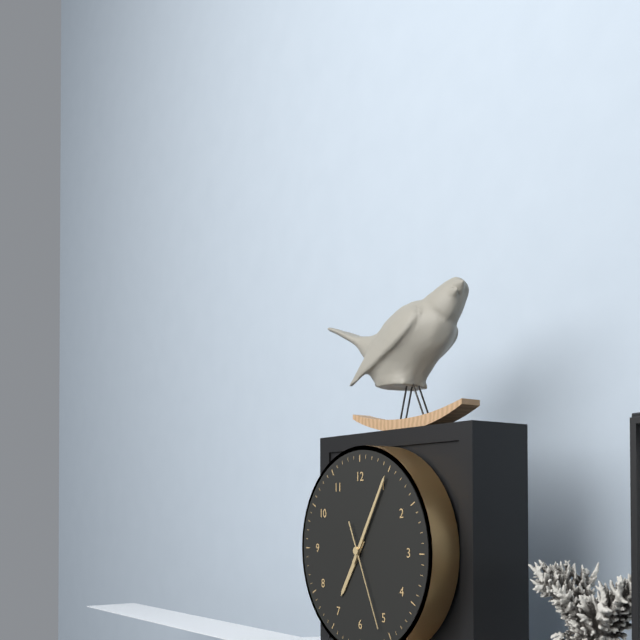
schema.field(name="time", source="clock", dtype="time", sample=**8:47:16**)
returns **7:05:26**
